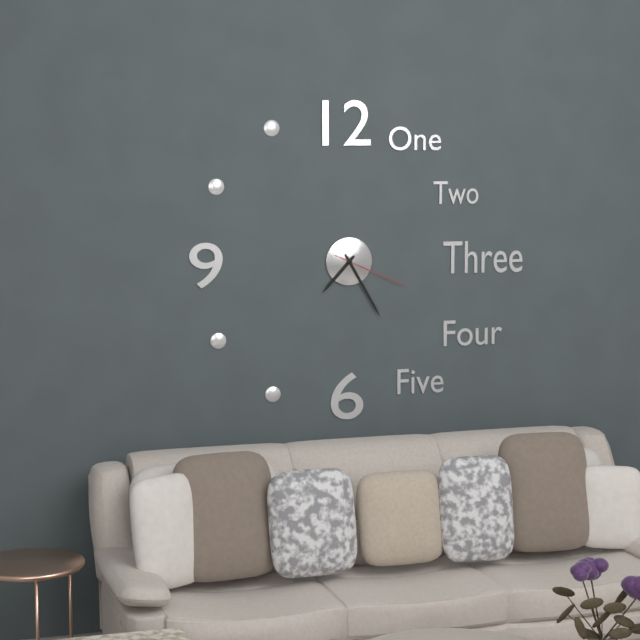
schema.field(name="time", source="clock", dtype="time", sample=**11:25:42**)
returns **7:25:19**
